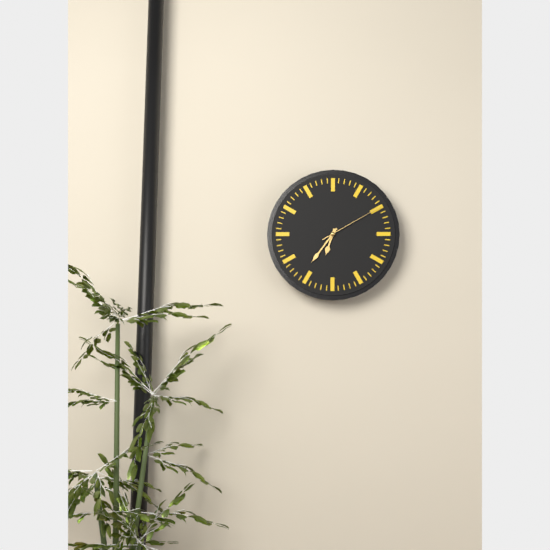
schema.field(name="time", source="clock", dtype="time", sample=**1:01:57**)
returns **6:36:10**
